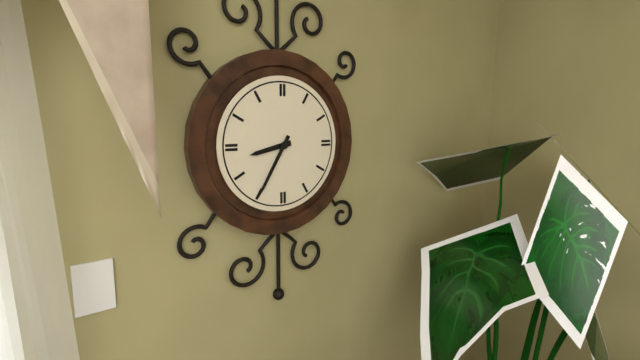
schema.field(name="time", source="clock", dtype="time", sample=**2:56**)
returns **8:35**
